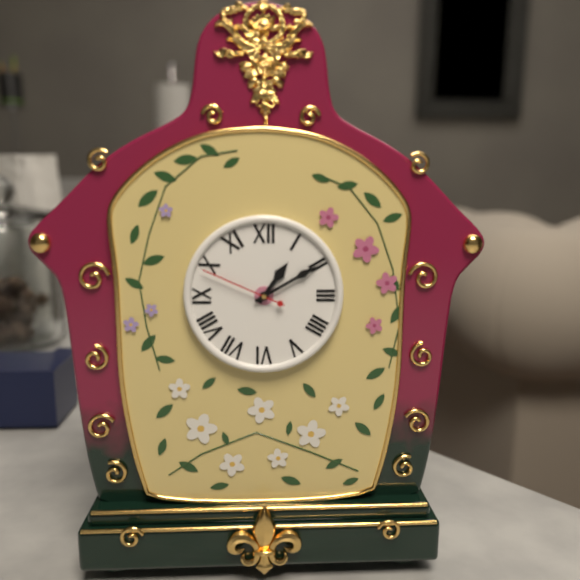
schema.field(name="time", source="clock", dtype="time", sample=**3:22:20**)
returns **1:10:49**
